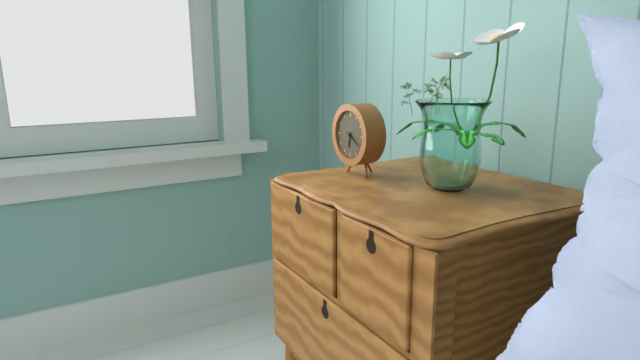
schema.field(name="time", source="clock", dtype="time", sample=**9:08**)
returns **6:20**
